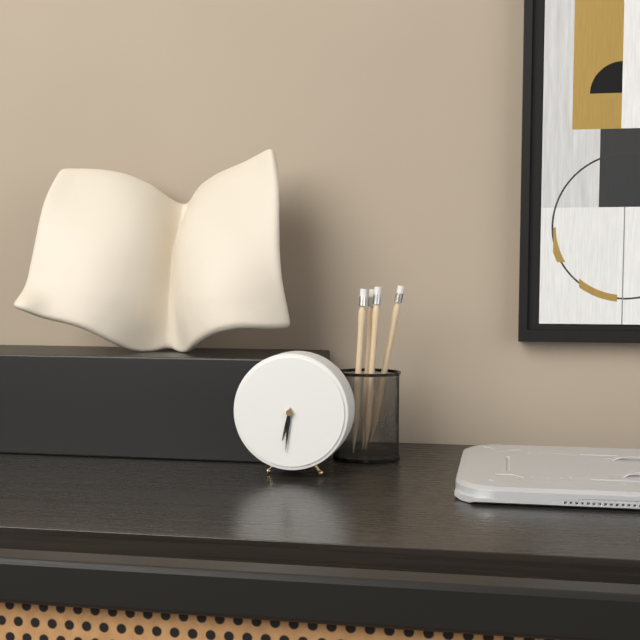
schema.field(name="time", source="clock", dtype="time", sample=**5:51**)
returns **6:31**
